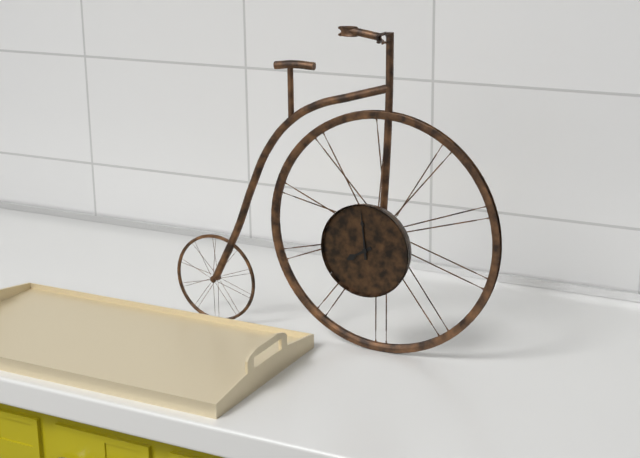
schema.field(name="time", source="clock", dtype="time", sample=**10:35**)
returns **7:59**
